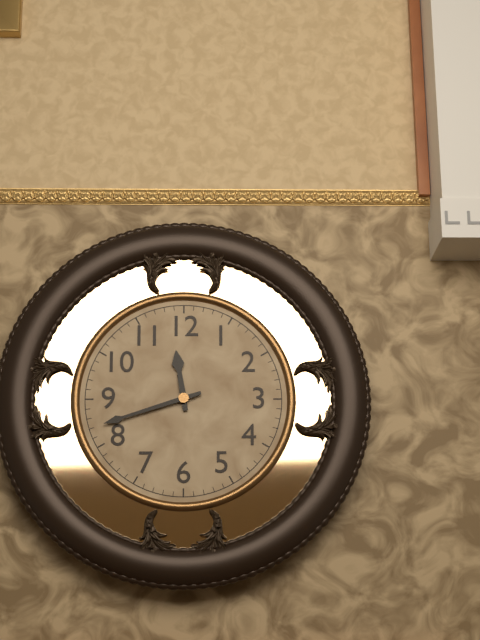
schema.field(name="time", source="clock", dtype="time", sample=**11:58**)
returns **11:42**
